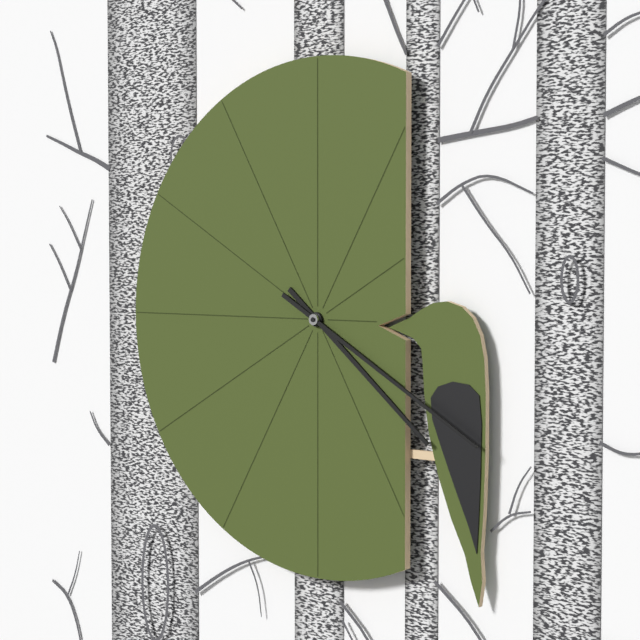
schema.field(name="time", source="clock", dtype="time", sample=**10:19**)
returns **4:20**
